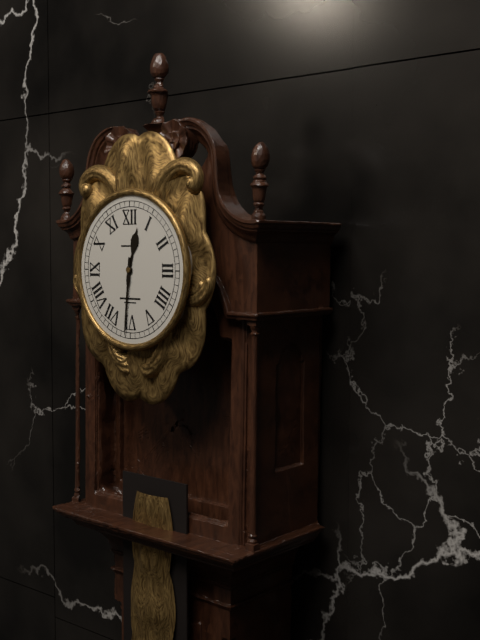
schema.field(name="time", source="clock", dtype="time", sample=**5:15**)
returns **12:31**
